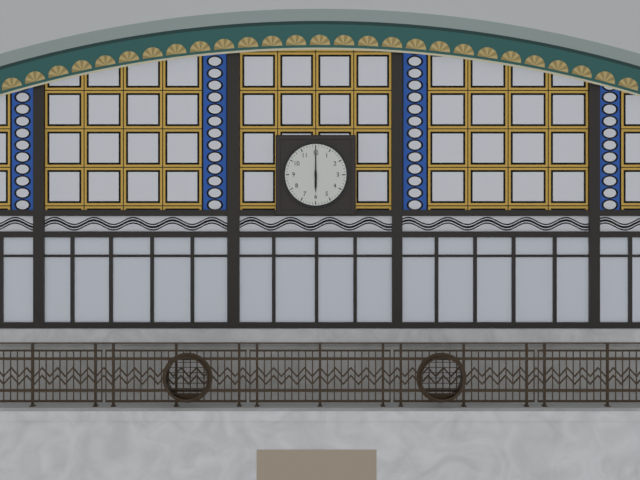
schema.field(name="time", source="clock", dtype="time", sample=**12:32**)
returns **6:00**
